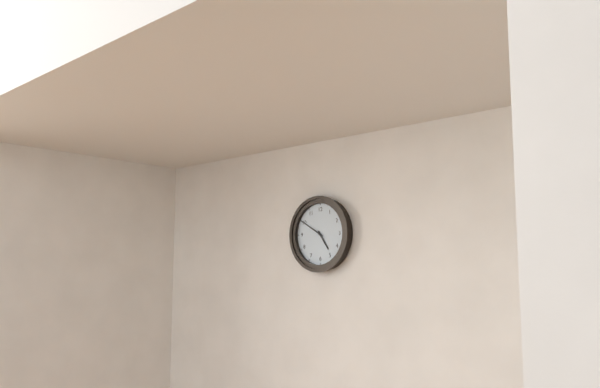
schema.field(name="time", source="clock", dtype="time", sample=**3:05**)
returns **4:50**
